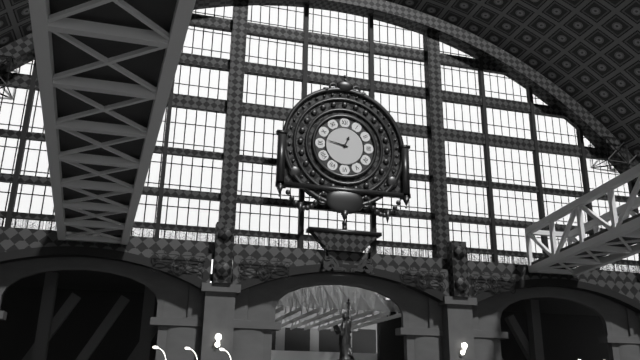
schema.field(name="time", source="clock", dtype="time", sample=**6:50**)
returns **12:47**
